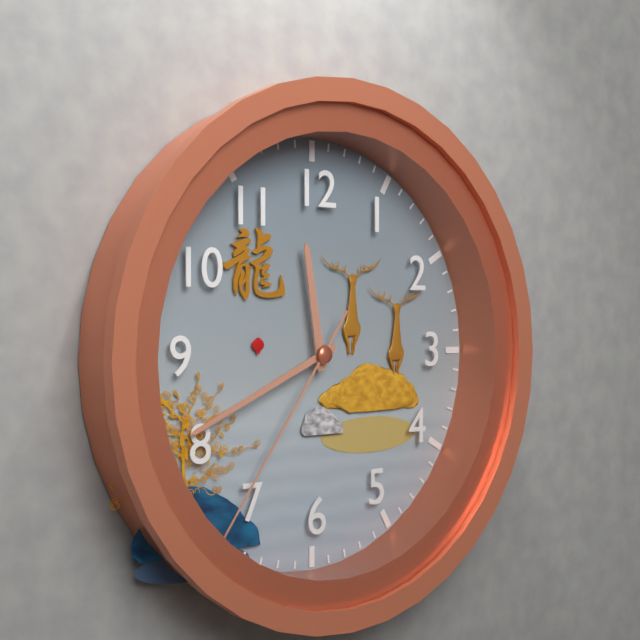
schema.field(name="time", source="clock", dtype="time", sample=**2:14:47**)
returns **11:41:36**
